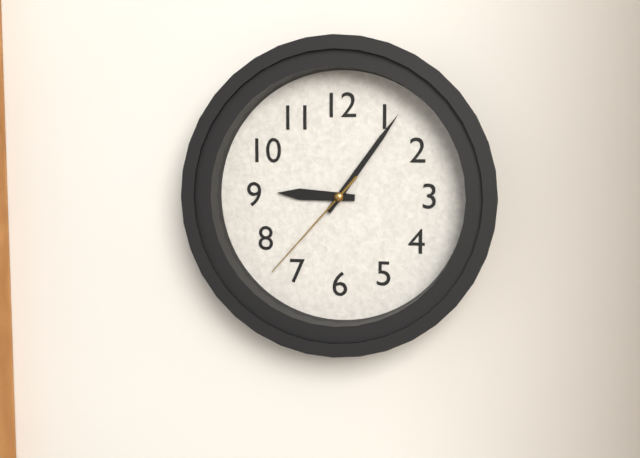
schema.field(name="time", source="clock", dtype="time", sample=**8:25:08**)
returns **9:06:37**
